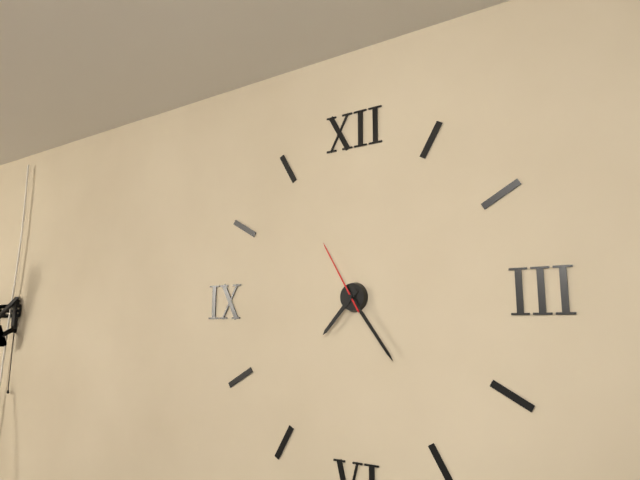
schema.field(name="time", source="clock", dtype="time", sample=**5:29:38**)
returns **7:24:55**
